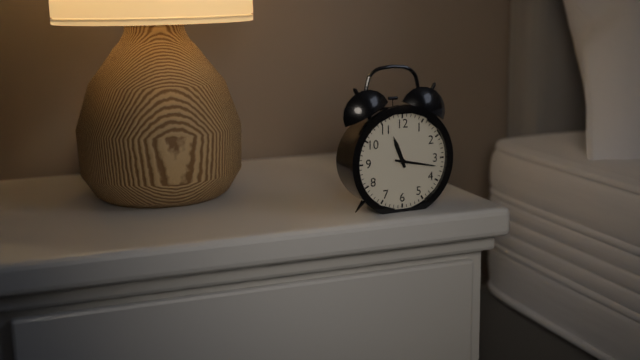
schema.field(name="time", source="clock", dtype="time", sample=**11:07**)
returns **11:17**
